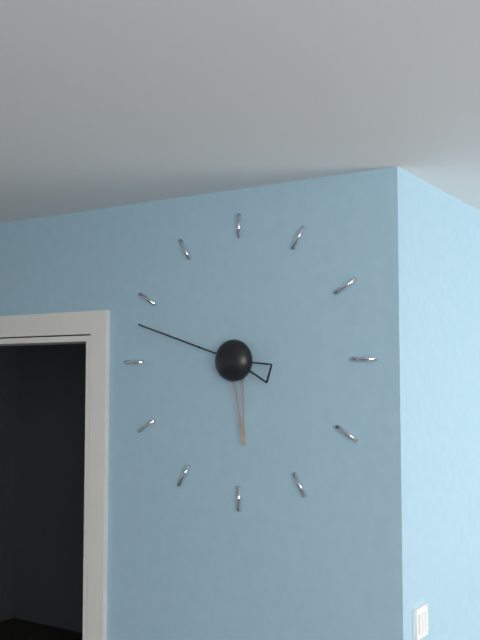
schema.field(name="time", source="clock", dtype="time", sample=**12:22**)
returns **5:48**
